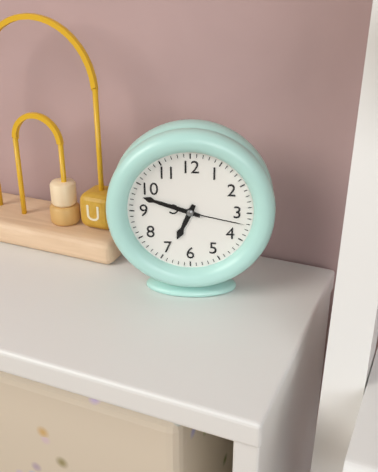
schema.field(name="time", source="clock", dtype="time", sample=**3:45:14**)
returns **6:48:17**
